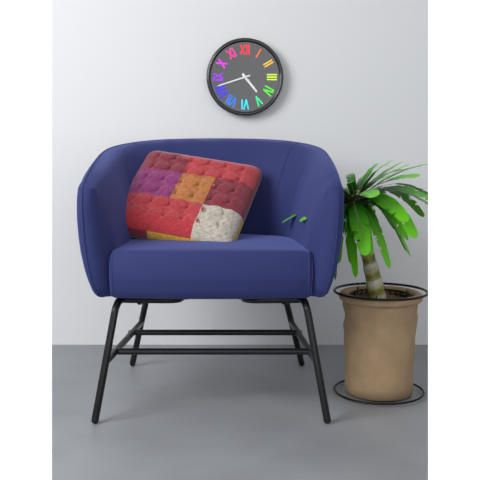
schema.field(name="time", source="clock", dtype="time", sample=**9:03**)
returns **4:42**
